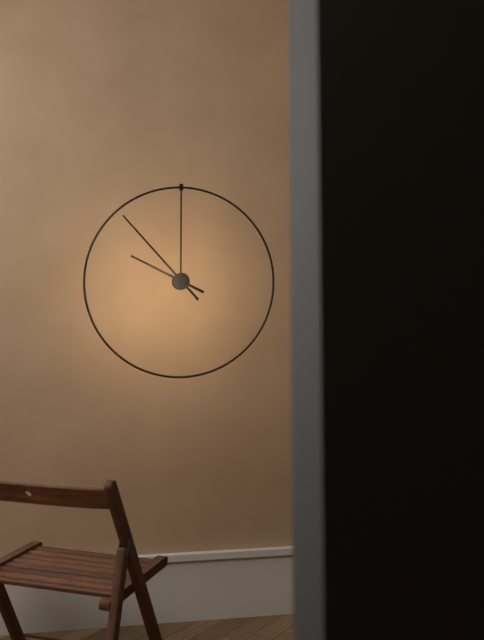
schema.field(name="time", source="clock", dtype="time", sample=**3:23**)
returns **9:53**
